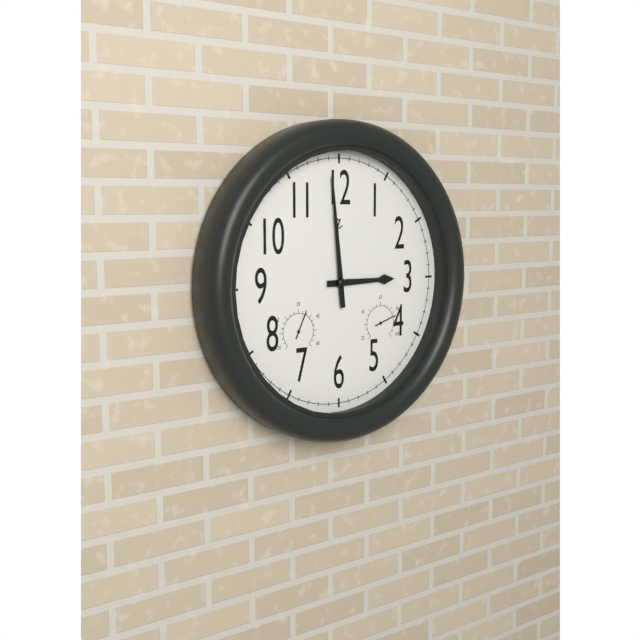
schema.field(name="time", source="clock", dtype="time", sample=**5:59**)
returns **2:59**
